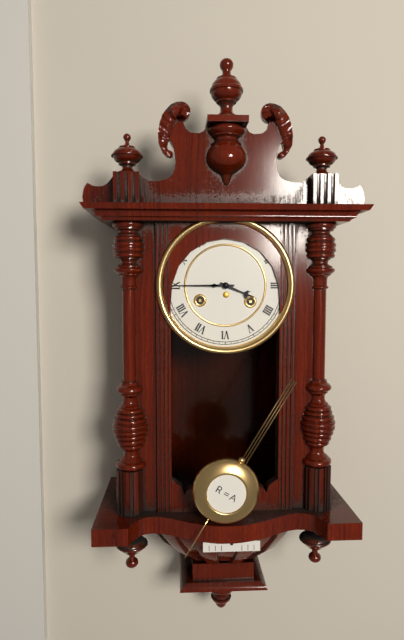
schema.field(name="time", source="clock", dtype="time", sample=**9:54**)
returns **3:45**
